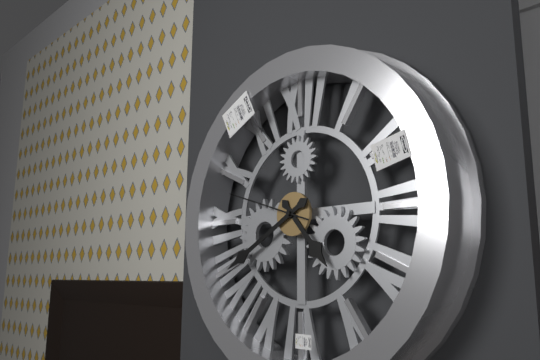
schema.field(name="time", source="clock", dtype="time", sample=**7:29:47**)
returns **4:40:48**
